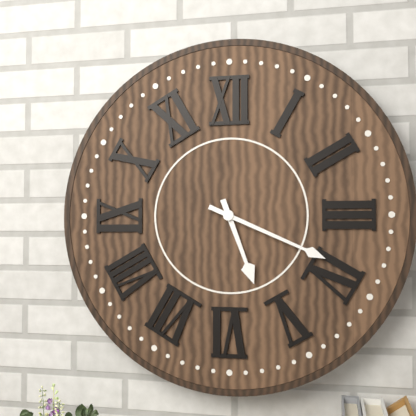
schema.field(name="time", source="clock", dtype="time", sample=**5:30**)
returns **5:19**
